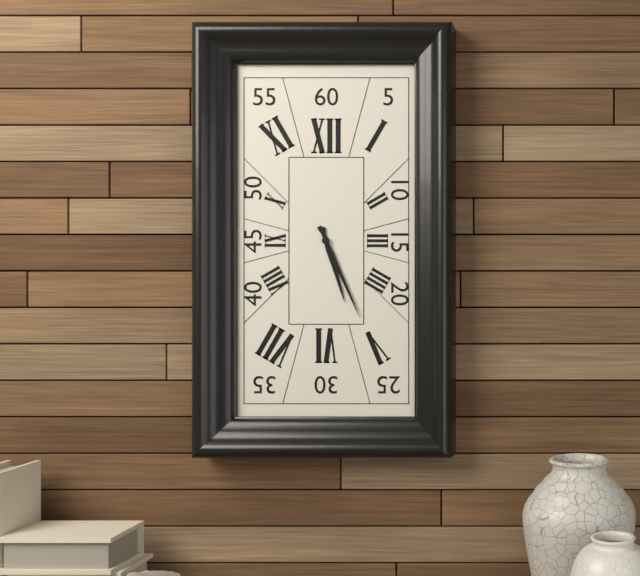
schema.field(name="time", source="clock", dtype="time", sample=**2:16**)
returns **5:26**
